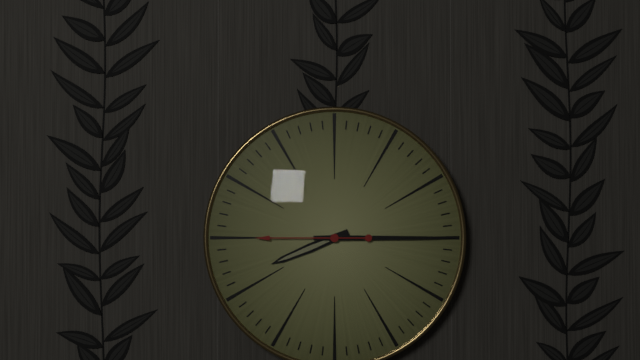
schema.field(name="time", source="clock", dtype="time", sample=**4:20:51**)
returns **8:15:45**
